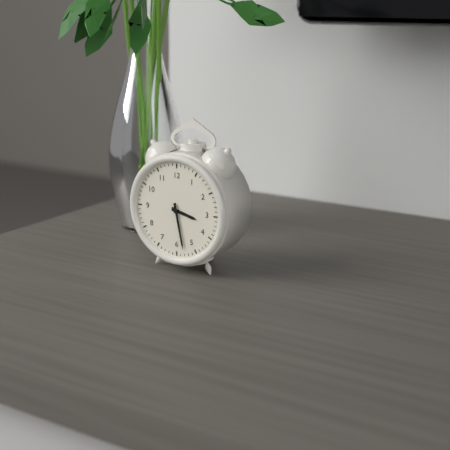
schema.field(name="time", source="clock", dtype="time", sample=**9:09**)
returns **3:28**
